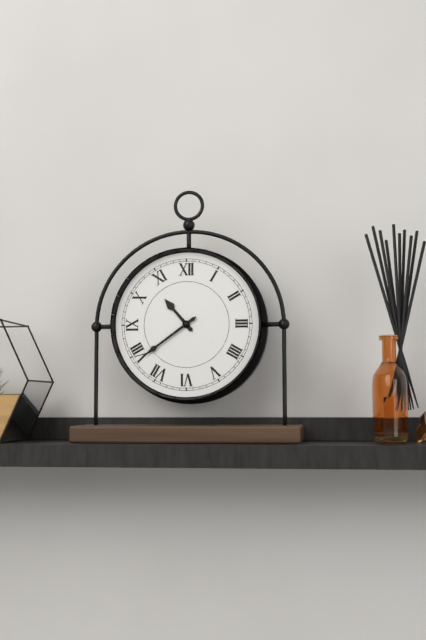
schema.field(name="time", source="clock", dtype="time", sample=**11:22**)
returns **10:39**
